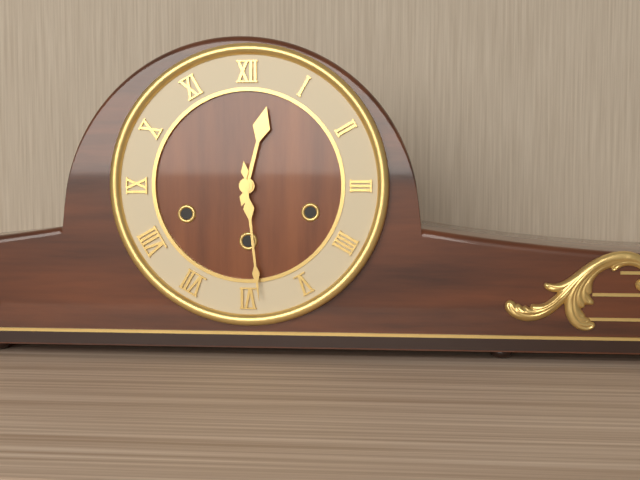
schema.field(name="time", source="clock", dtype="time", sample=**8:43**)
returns **12:29**
